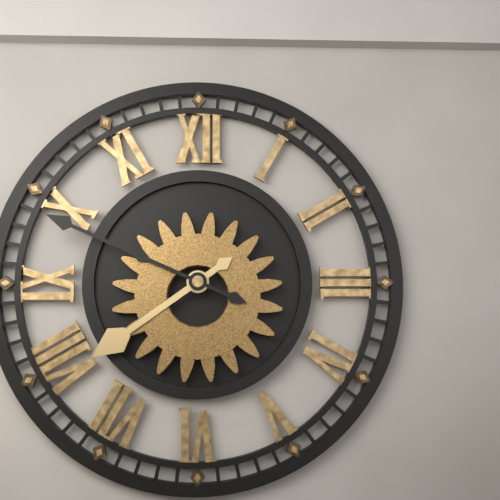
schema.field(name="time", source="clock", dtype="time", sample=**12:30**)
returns **7:49**
